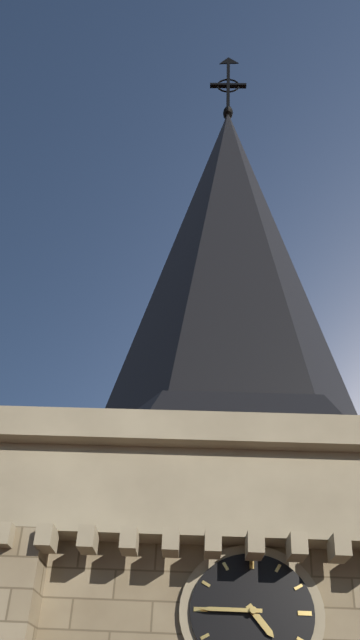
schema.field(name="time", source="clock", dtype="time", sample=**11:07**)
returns **4:45**
